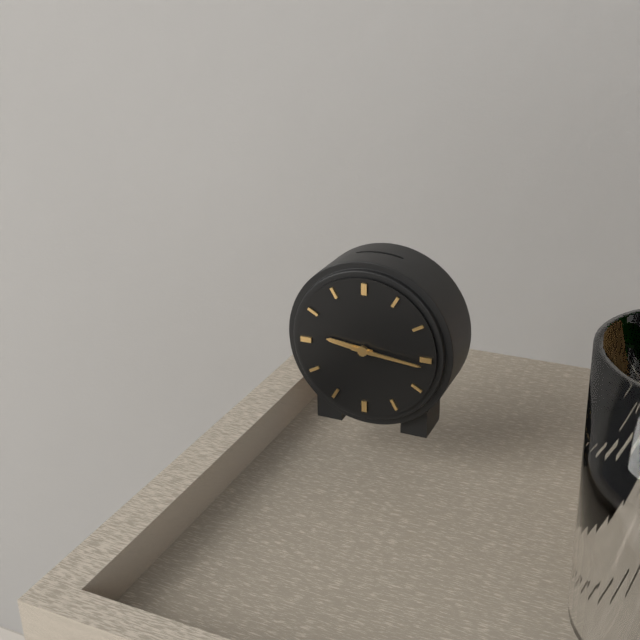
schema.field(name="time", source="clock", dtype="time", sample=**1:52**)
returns **9:16**
